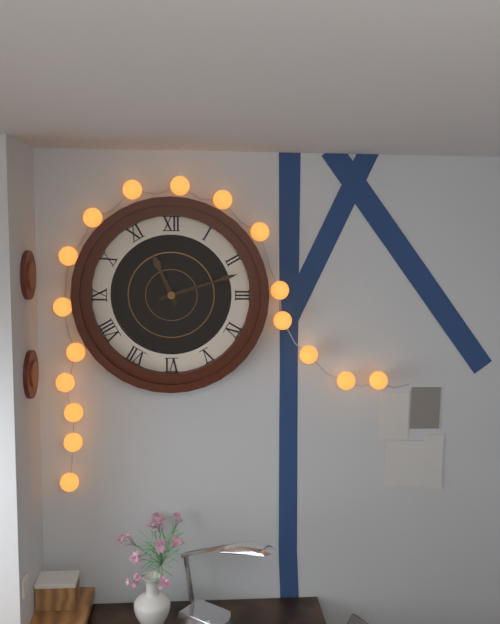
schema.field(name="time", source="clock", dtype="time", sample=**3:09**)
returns **11:12**
